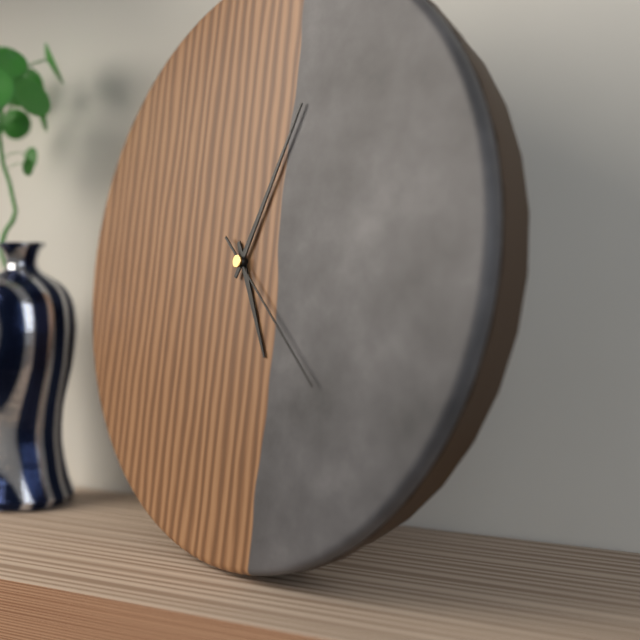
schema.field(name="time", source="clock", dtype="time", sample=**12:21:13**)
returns **5:04:22**
